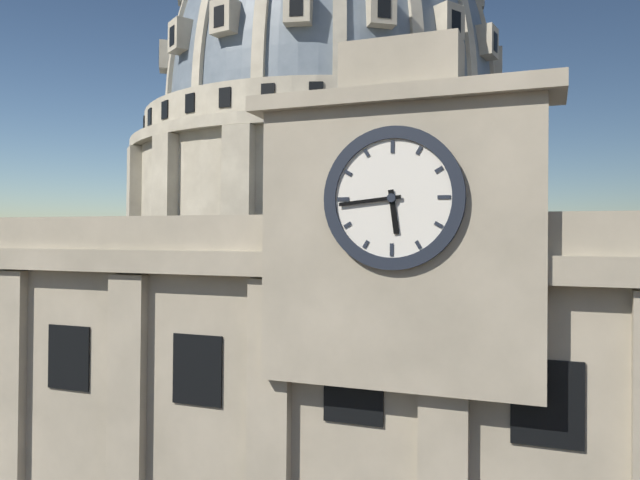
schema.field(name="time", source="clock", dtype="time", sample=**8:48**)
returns **5:44**
